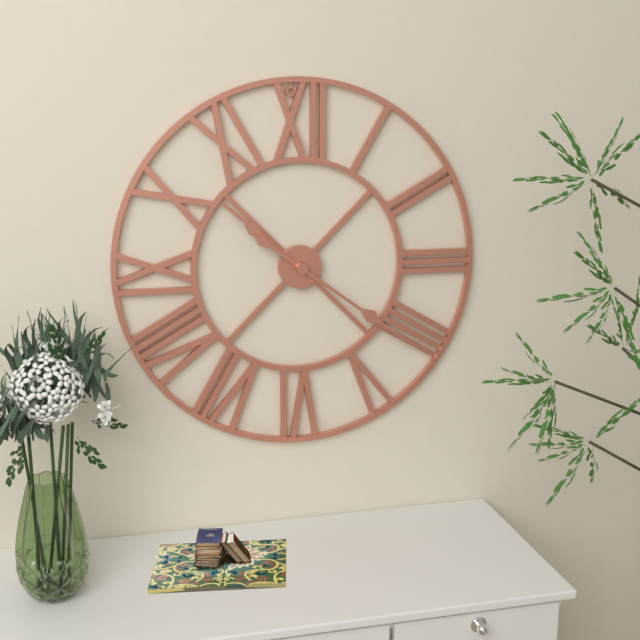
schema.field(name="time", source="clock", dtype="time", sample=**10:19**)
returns **10:21**
